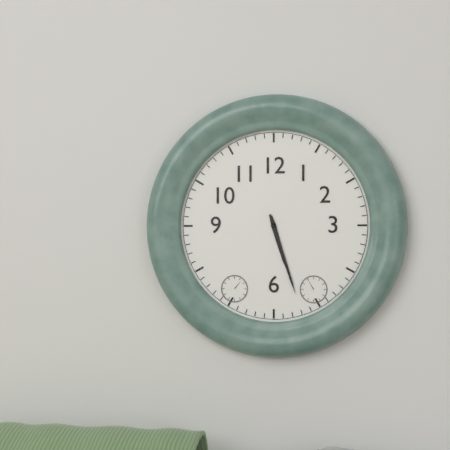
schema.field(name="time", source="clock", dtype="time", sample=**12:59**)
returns **5:27**
